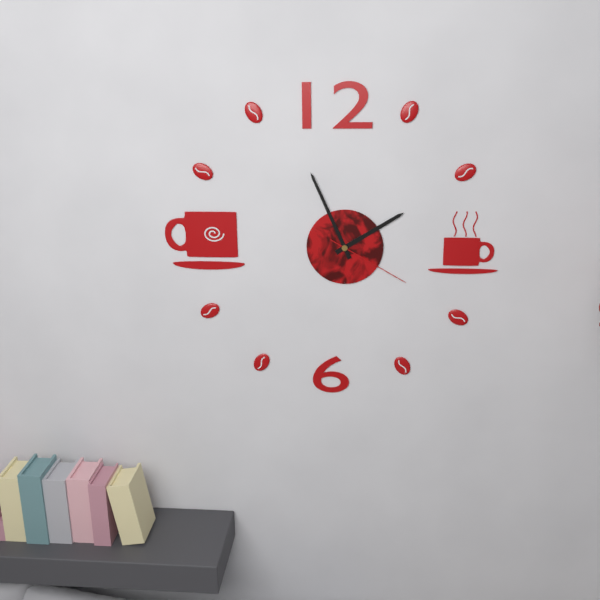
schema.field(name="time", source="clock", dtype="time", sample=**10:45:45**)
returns **1:56:20**
